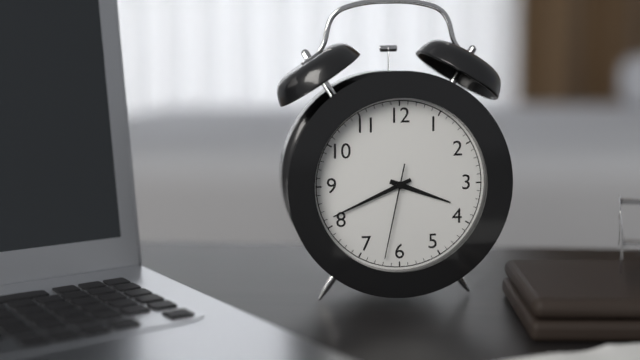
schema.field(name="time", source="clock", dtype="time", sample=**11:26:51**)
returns **3:41:32**
